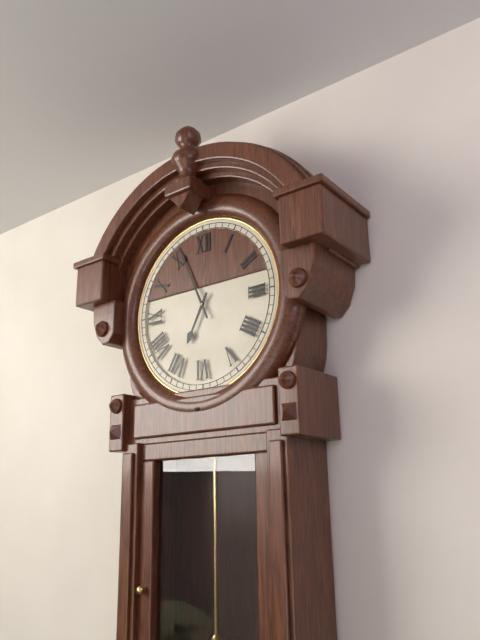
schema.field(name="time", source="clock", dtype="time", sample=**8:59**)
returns **6:56**
